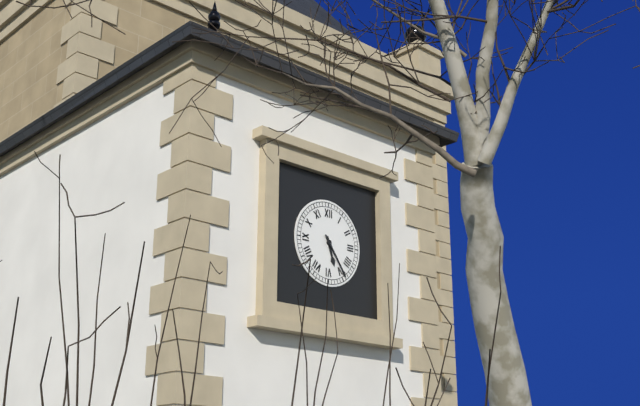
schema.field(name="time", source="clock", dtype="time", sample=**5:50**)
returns **5:24**
